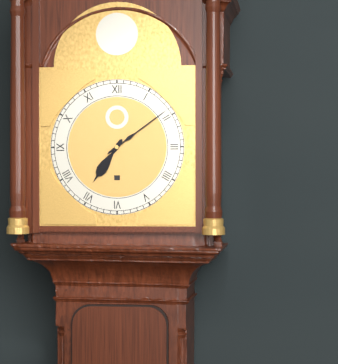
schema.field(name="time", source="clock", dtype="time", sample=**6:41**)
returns **7:09**
